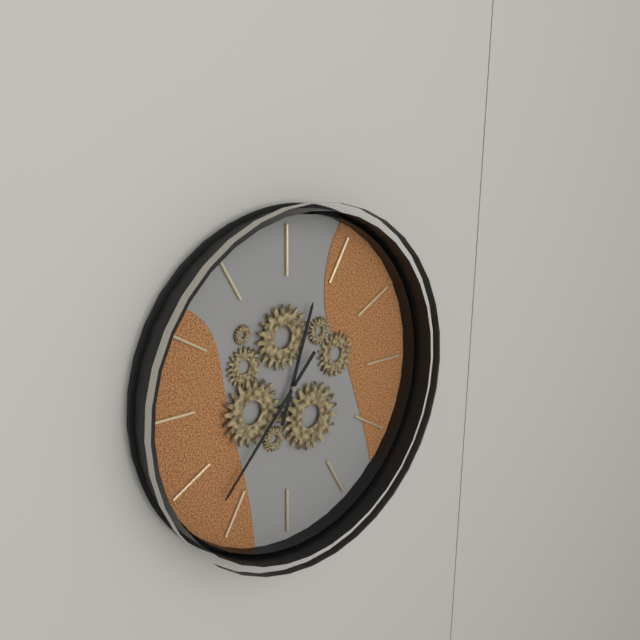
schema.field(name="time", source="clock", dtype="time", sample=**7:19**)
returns **12:37**
